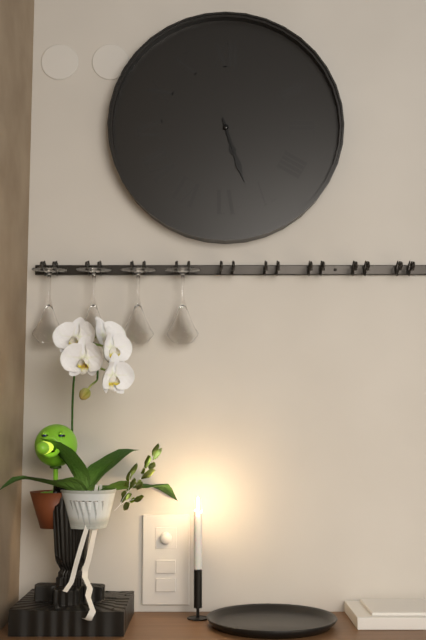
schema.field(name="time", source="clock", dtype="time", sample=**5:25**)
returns **5:27**
